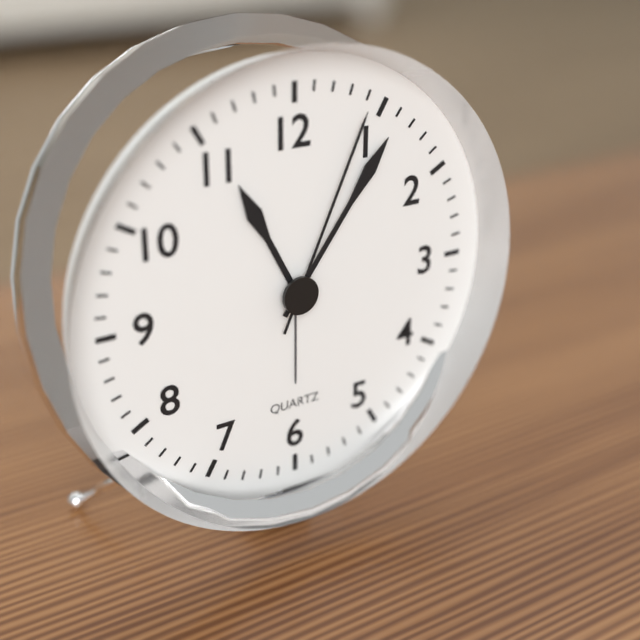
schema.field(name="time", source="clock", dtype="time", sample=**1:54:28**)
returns **11:06:04**
